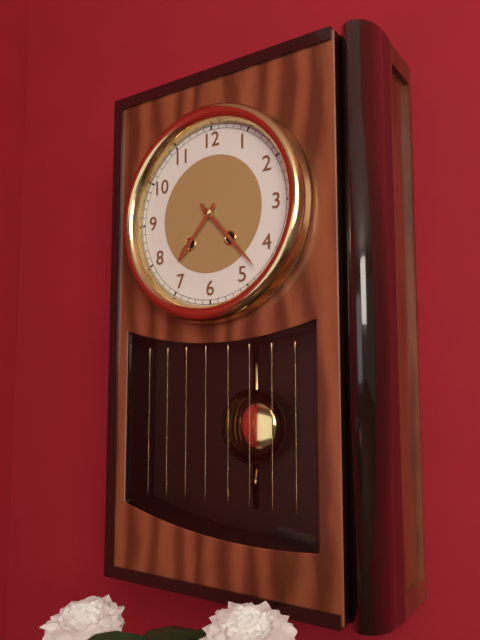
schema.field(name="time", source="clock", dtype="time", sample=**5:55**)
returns **7:23**
